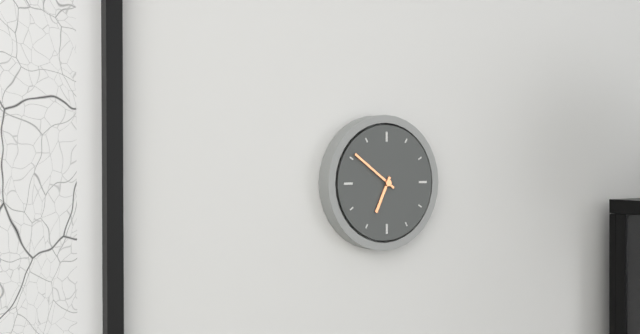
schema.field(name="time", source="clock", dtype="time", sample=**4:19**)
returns **6:51**
